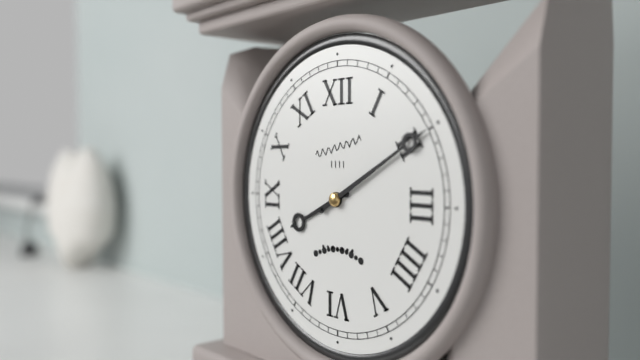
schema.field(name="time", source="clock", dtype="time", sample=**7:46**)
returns **8:10**
